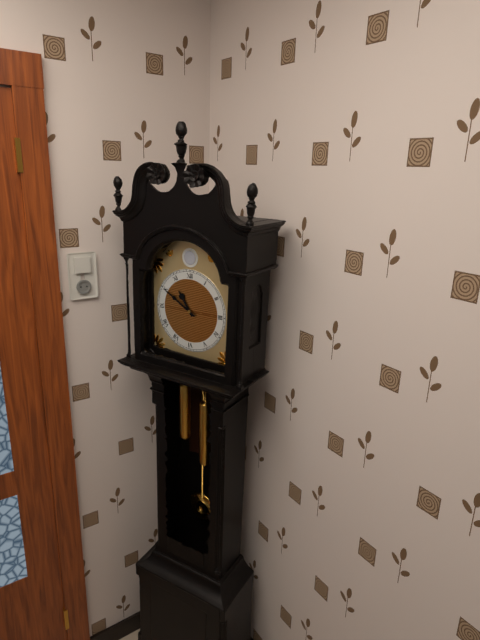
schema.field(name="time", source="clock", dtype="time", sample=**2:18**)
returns **10:50**
